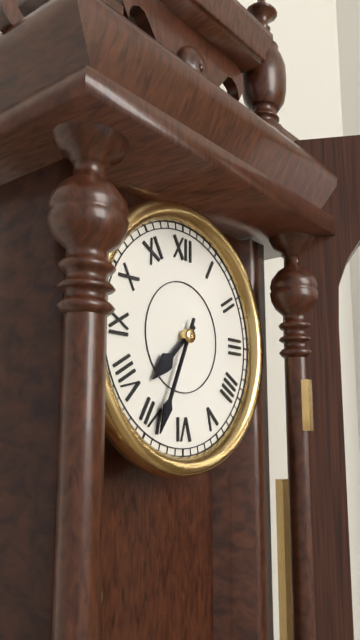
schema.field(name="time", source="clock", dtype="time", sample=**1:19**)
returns **7:34**
